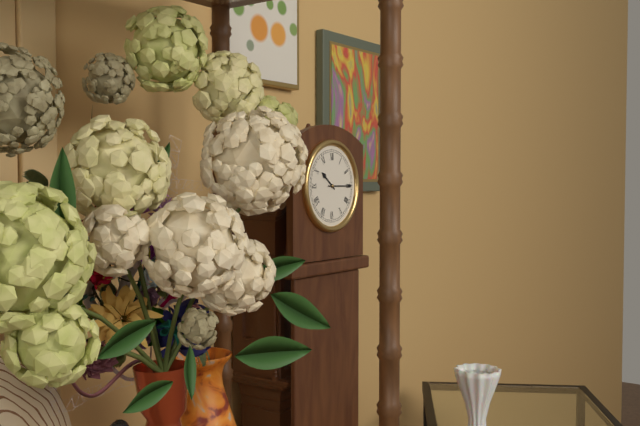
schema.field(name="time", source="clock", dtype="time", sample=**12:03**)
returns **10:15**
